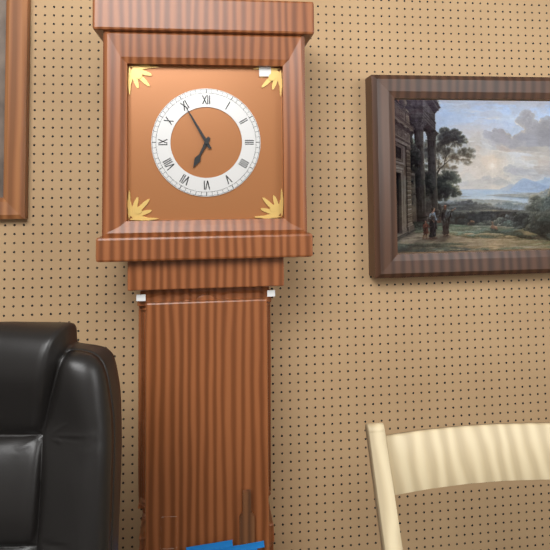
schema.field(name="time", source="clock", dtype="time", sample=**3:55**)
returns **6:55**
